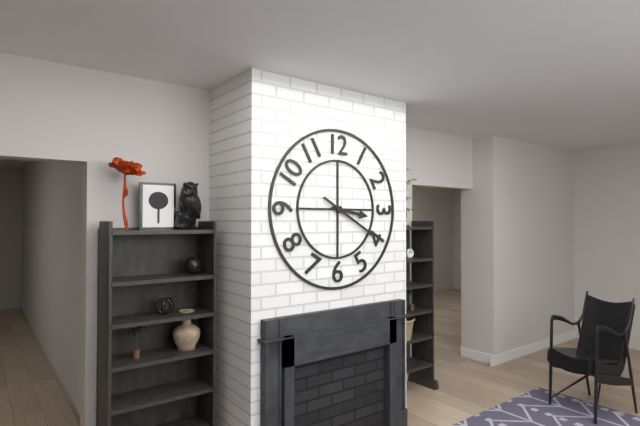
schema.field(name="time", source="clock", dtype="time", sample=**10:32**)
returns **3:20**
